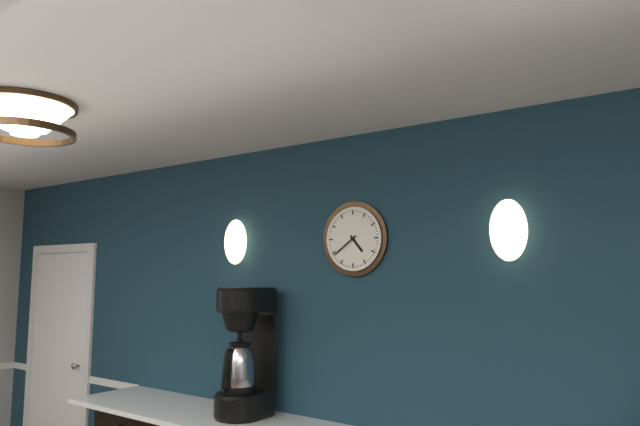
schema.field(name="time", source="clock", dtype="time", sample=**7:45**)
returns **4:39**
